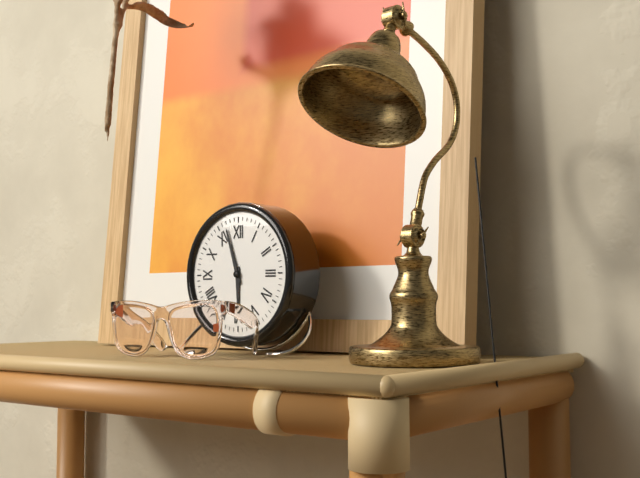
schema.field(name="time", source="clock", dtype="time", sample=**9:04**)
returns **5:57**
